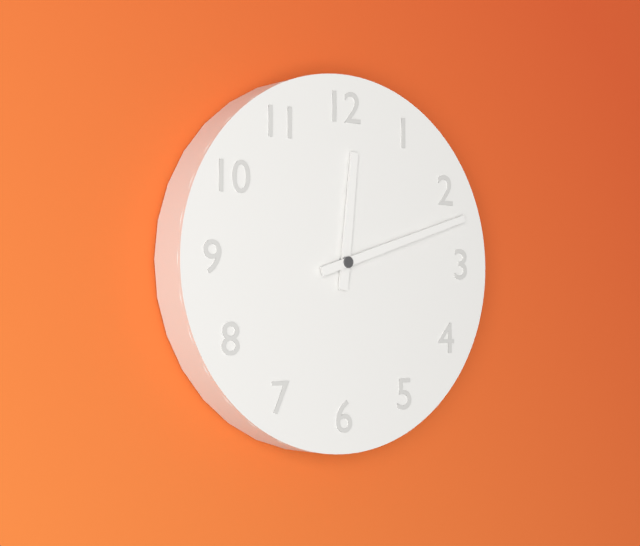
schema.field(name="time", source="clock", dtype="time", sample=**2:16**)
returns **12:12**
